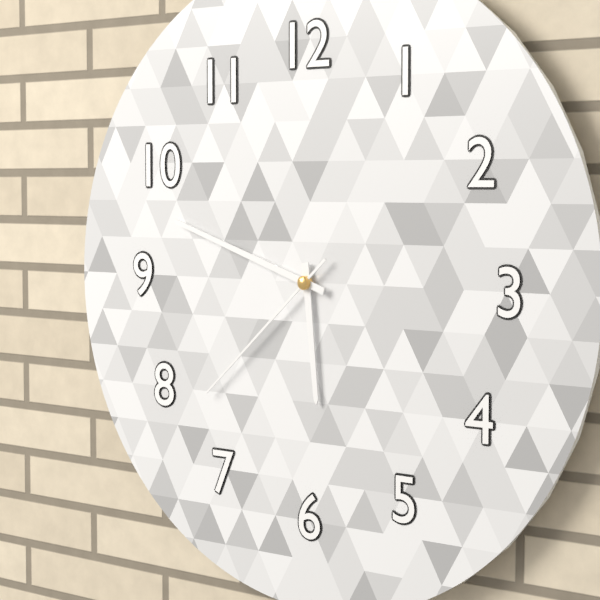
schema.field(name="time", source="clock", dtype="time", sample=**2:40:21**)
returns **5:48:38**
